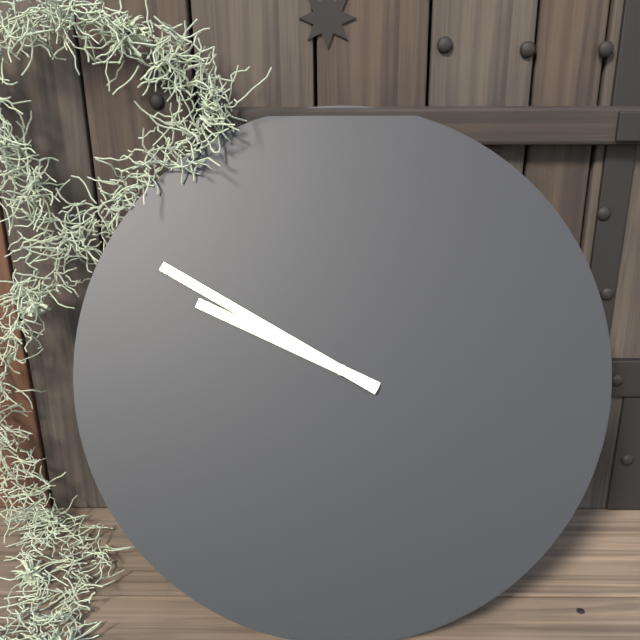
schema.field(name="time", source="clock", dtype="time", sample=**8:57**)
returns **9:50**
